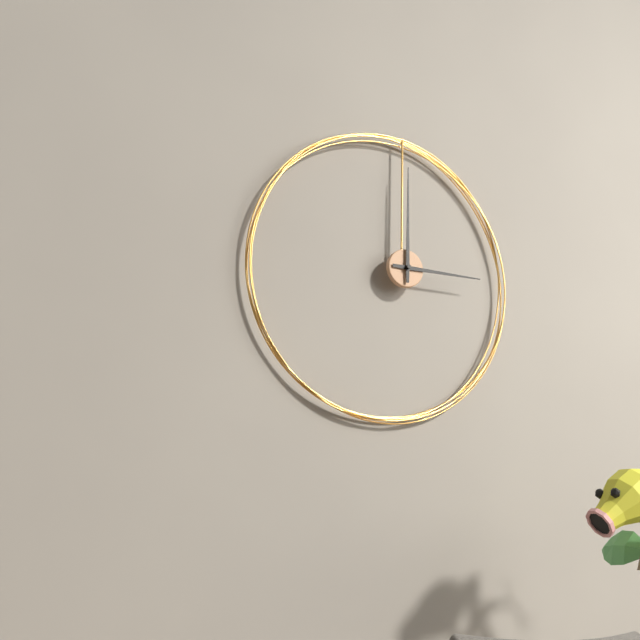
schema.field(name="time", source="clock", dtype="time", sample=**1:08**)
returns **3:00**
